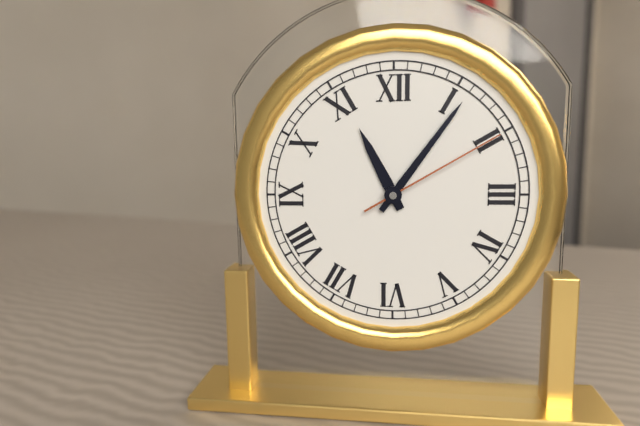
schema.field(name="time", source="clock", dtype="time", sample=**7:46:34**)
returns **11:06:10**
